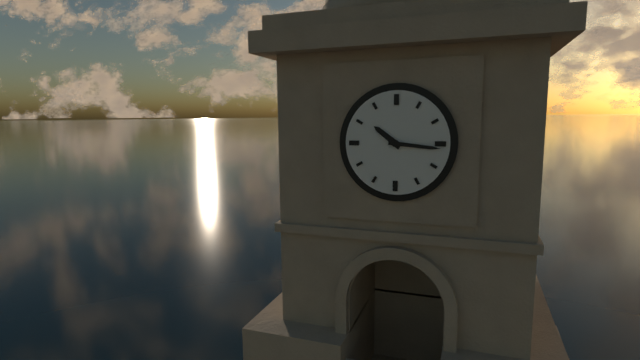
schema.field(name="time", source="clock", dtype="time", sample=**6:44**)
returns **10:16**
